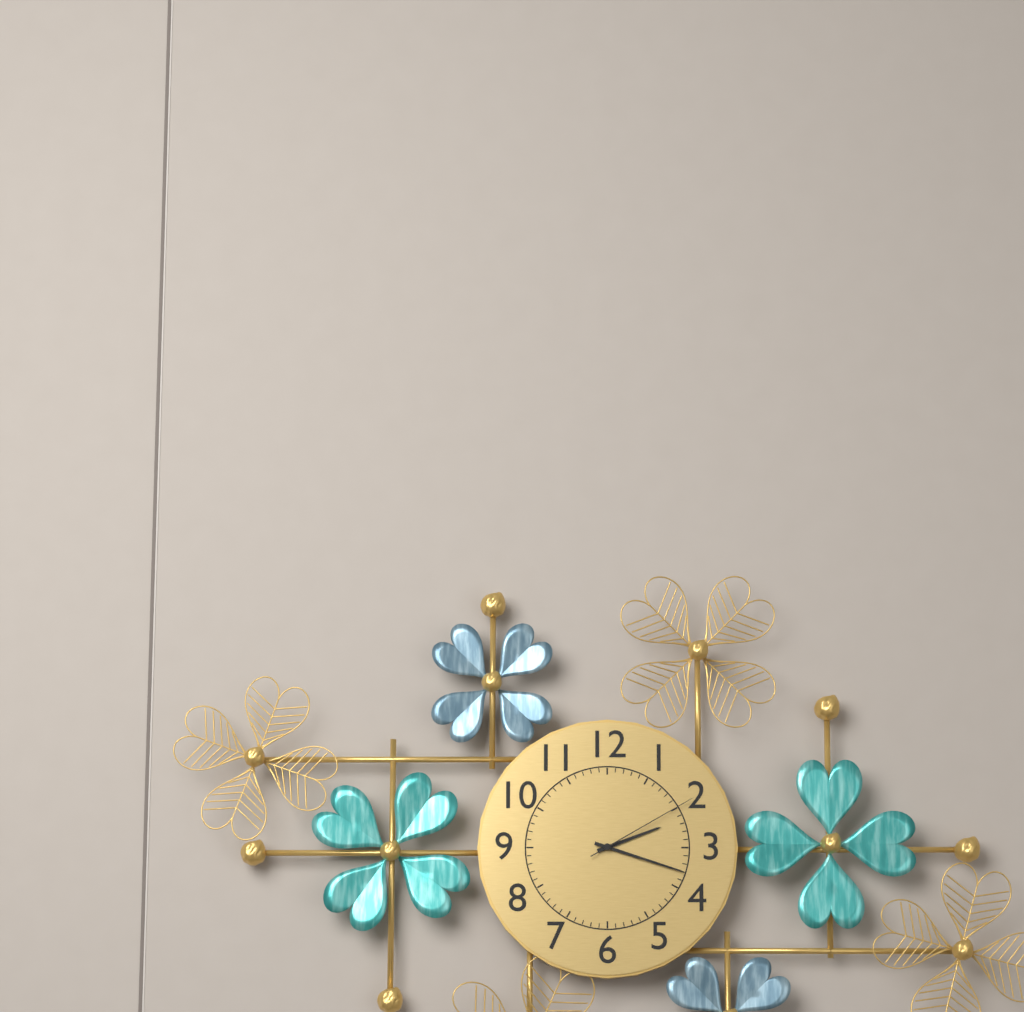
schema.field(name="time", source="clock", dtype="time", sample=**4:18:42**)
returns **2:18:10**
